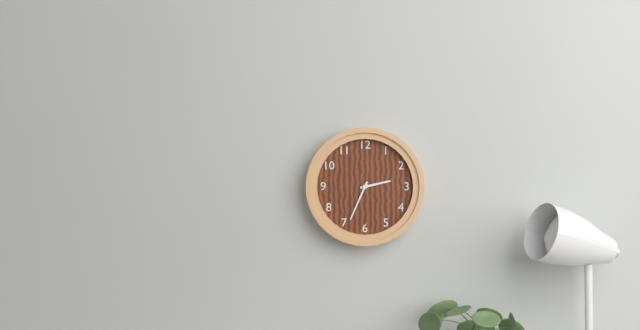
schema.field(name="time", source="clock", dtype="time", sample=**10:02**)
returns **2:34**
